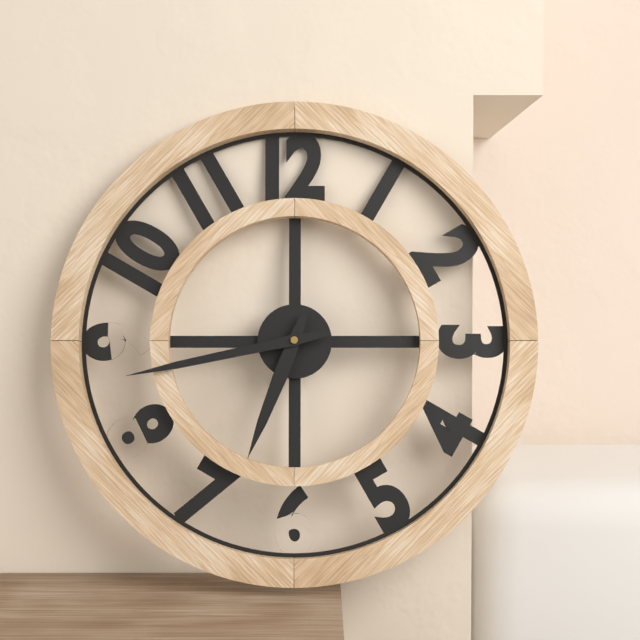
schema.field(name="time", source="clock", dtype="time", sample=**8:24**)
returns **6:43**
